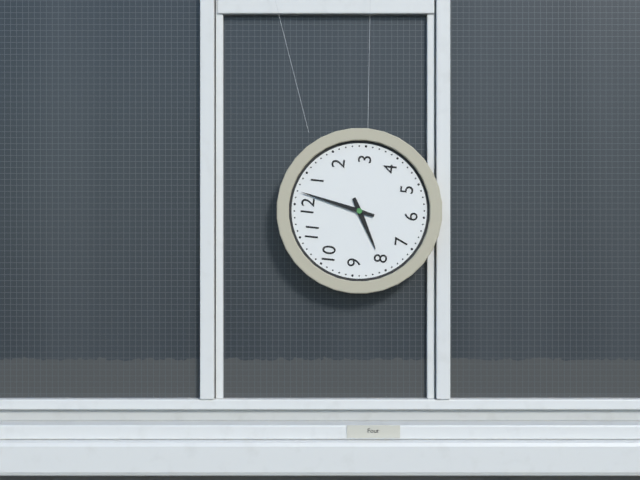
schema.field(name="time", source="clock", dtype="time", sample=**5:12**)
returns **8:02**
